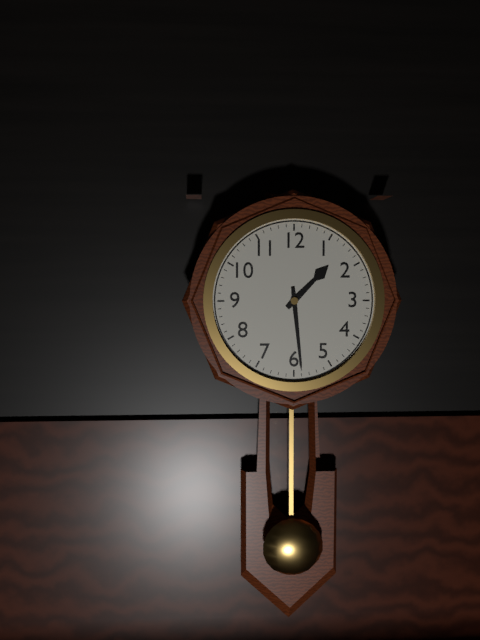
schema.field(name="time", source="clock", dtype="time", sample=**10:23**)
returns **1:29**
